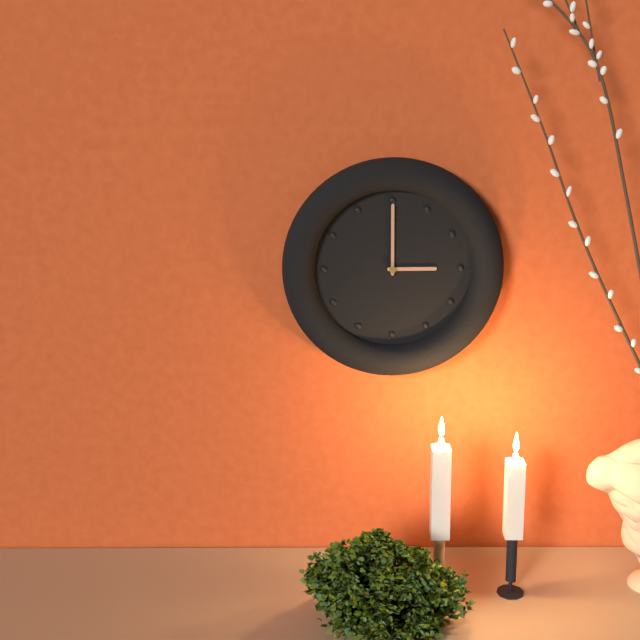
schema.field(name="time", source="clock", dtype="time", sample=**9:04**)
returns **3:00**
